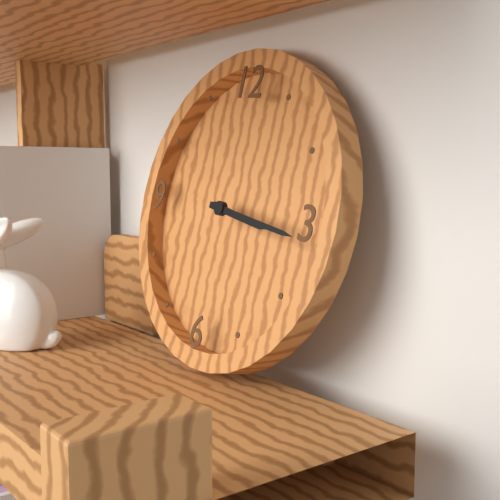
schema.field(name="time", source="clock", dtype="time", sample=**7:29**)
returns **3:16**
